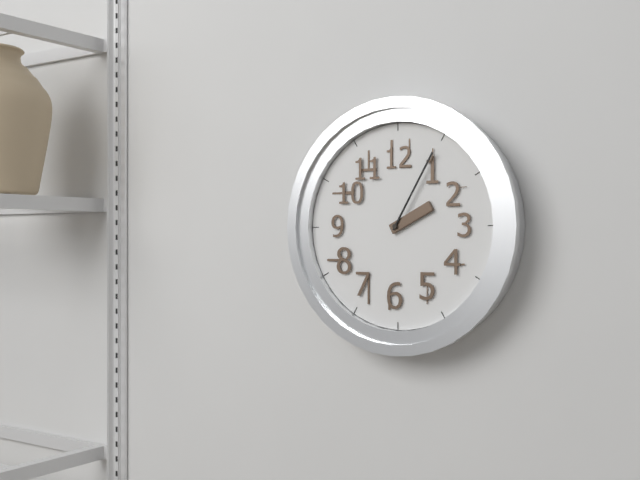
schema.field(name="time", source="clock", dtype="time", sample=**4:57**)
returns **2:05**
